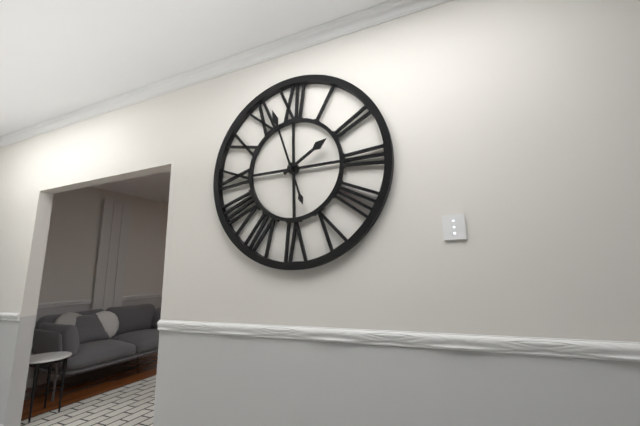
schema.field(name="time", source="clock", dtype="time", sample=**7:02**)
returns **1:57**
